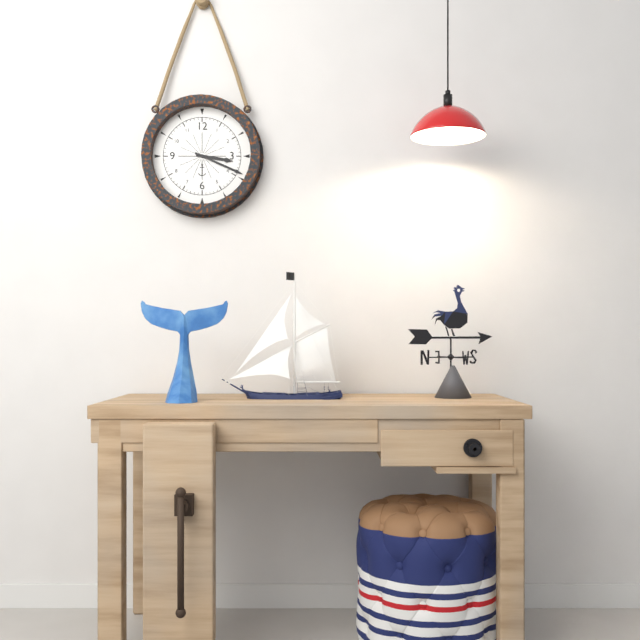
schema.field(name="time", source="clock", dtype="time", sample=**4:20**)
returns **3:19**
